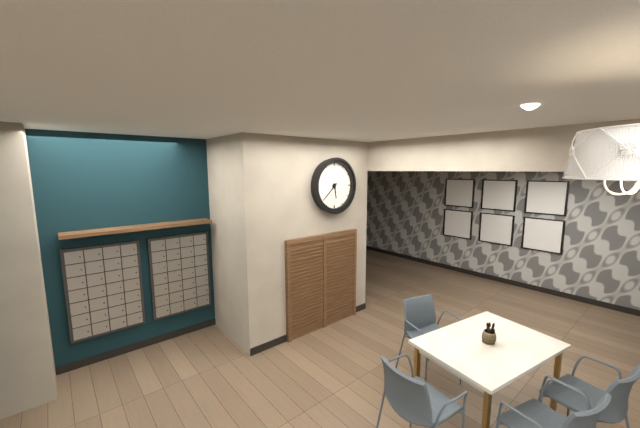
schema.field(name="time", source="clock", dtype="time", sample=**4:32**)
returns **5:38**
